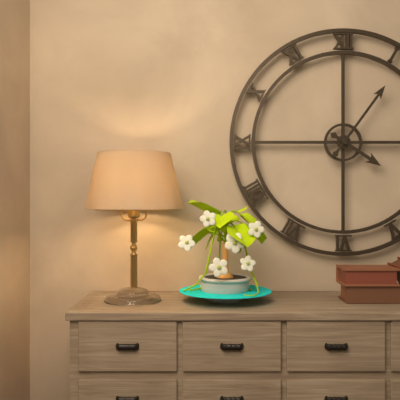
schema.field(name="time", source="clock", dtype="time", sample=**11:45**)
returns **4:06**
